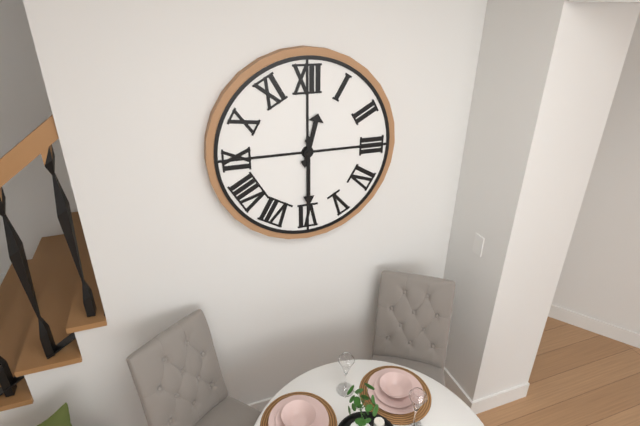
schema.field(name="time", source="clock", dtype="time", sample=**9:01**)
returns **12:30**
